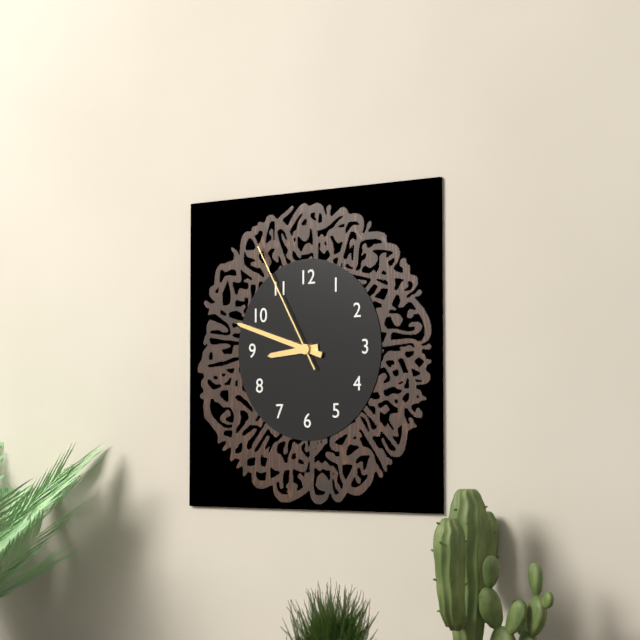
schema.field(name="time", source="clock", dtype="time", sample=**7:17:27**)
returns **8:48:55**
